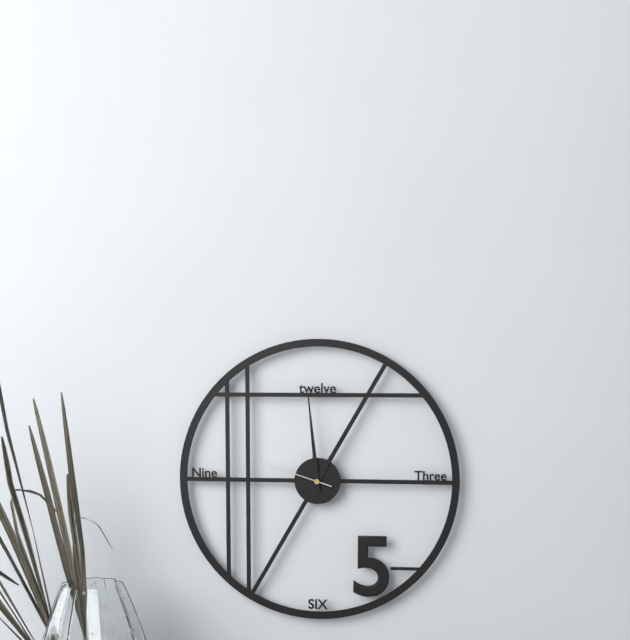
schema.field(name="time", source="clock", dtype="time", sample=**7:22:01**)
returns **12:59:48**
